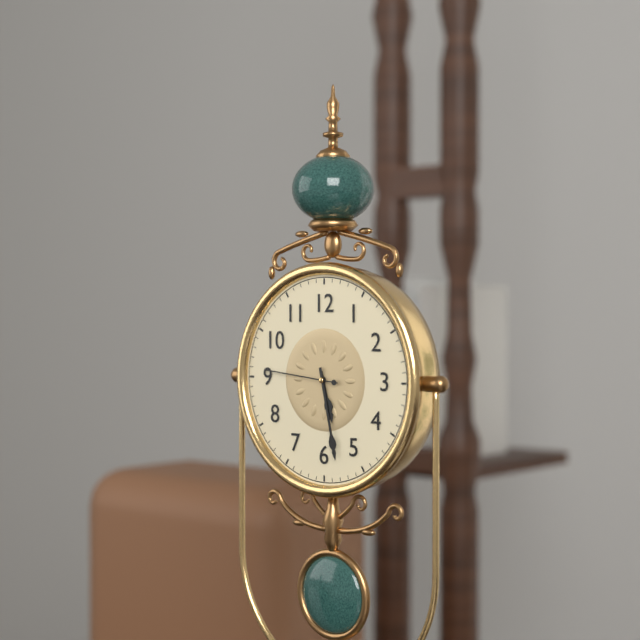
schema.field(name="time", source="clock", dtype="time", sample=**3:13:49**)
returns **5:28:46**
